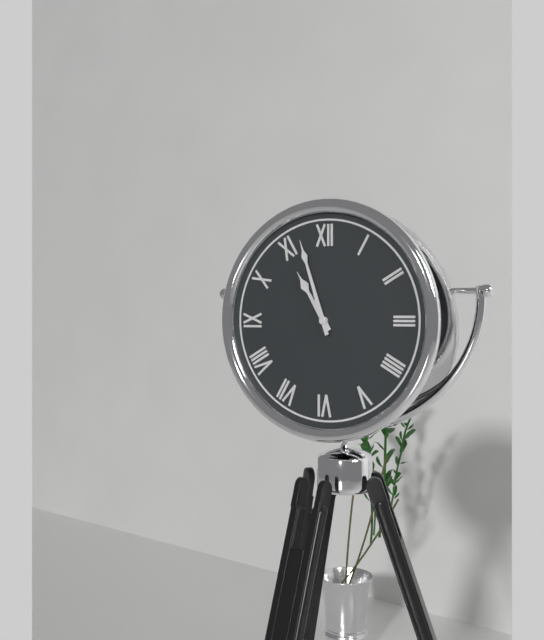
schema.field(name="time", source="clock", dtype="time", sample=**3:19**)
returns **10:57**
